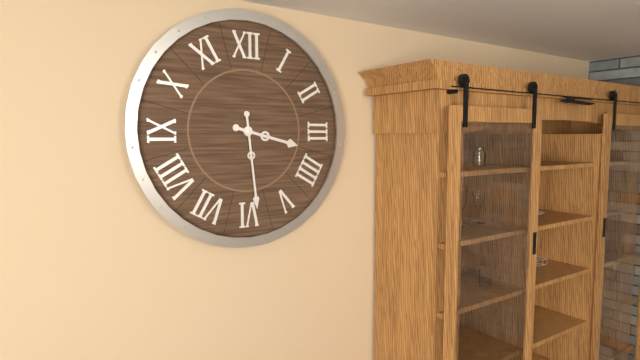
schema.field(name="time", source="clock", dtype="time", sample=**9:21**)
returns **3:29**
